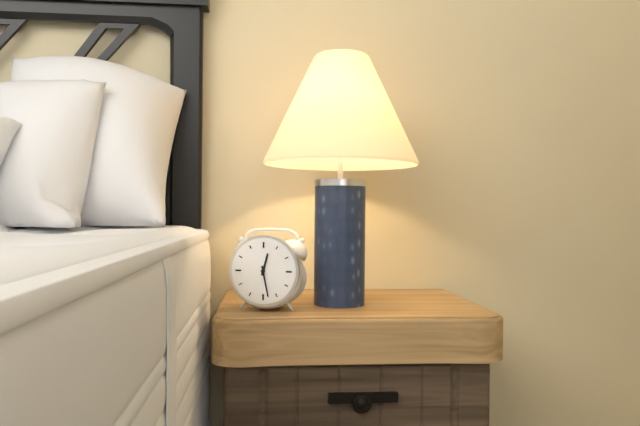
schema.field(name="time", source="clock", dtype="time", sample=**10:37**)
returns **12:28**
